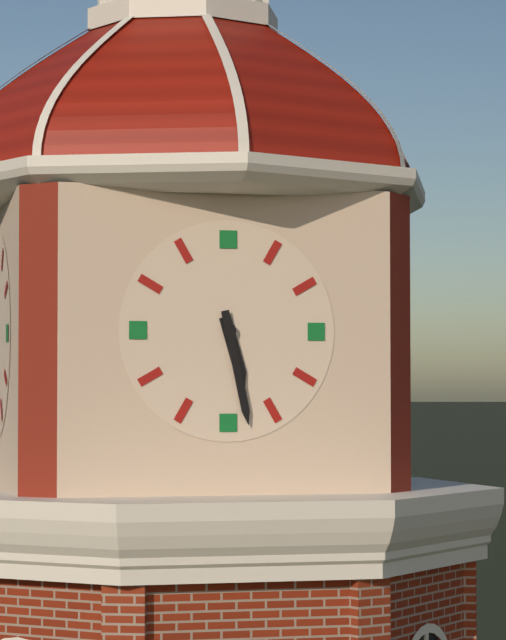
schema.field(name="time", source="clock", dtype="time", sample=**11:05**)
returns **5:28**
